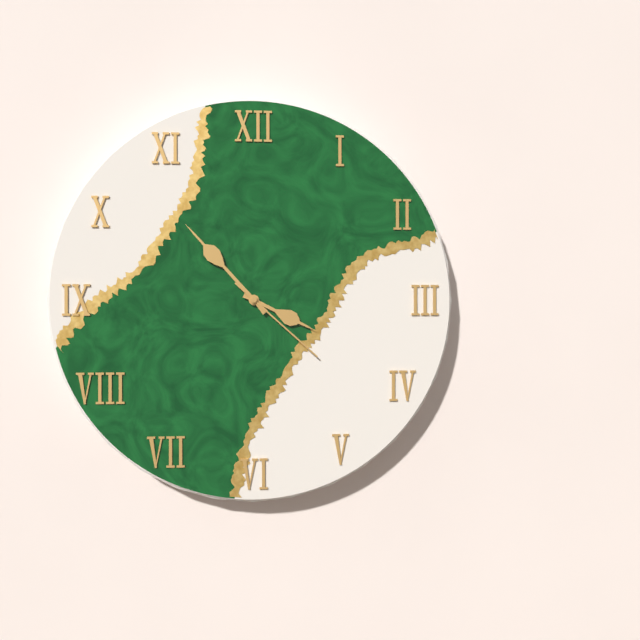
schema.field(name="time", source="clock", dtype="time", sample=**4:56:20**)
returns **3:53:22**
